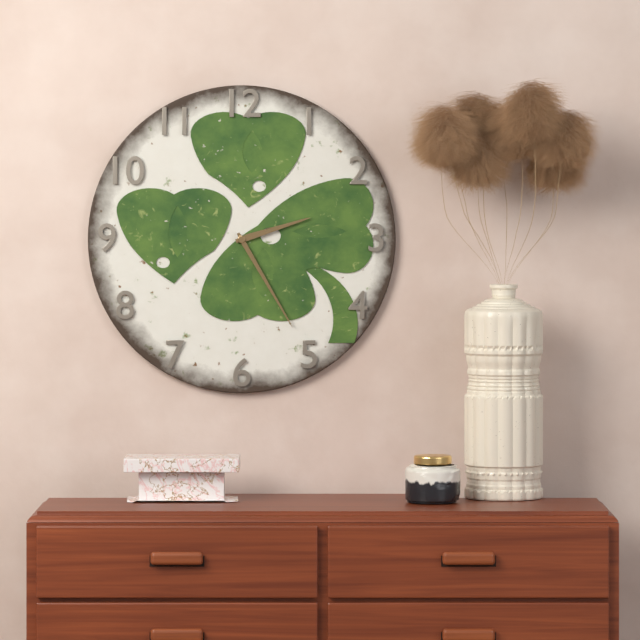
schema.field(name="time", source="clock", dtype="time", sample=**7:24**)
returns **2:25**
